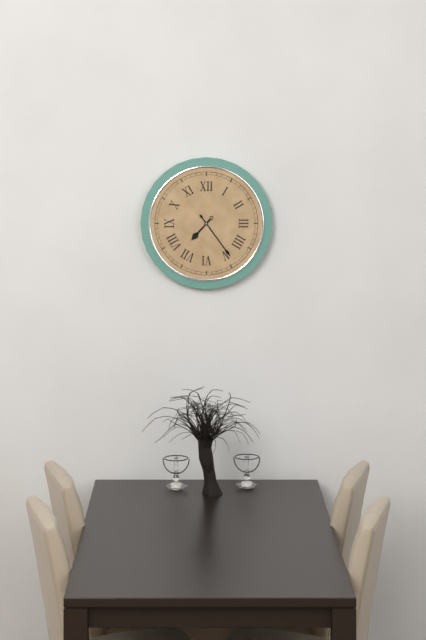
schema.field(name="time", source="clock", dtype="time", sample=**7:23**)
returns **7:24**
